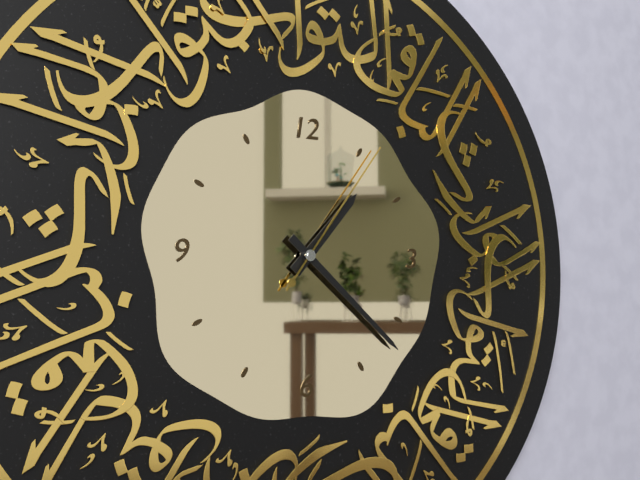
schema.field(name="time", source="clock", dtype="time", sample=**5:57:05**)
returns **1:22:06**
